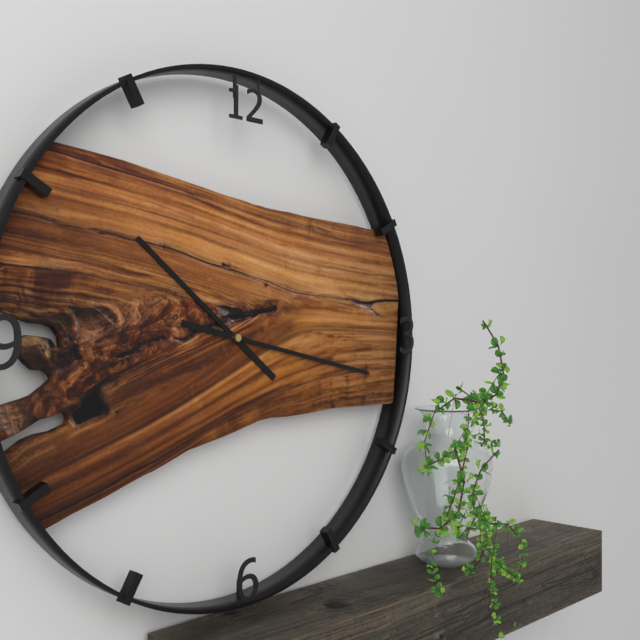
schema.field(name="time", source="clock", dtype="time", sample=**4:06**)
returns **10:17**
